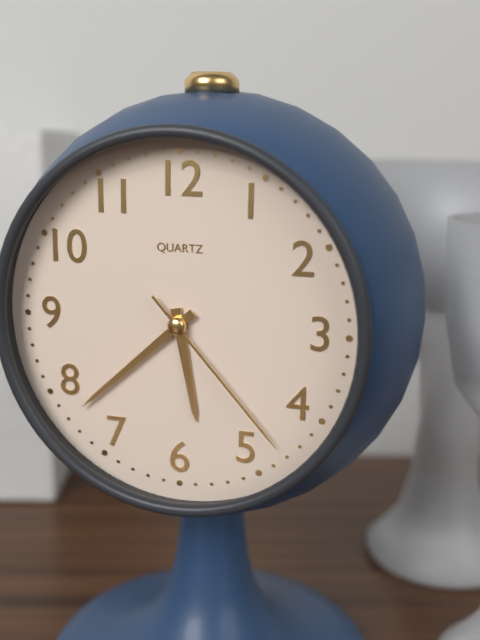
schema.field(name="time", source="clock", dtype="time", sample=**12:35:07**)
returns **5:38:23**
